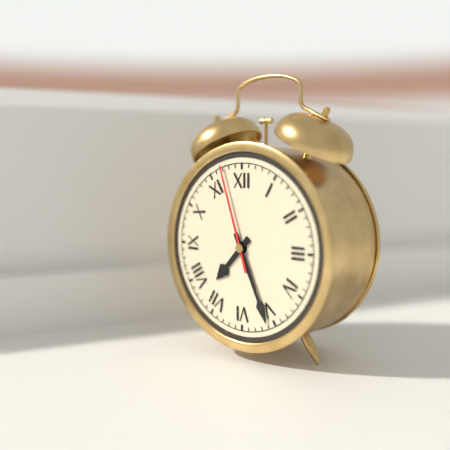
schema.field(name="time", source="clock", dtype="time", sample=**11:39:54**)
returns **7:26:57**
